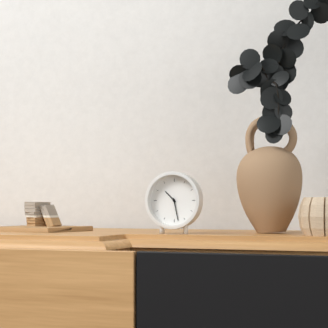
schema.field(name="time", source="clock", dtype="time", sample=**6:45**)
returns **10:28**
